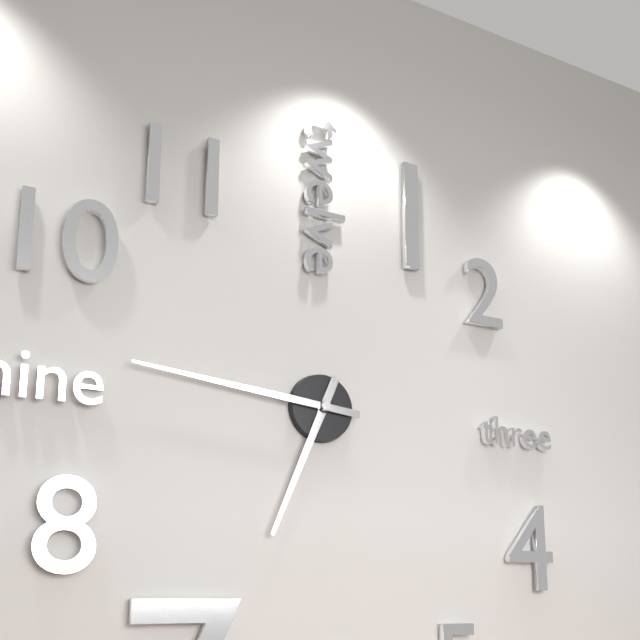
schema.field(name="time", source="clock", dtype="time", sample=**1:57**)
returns **6:46**
